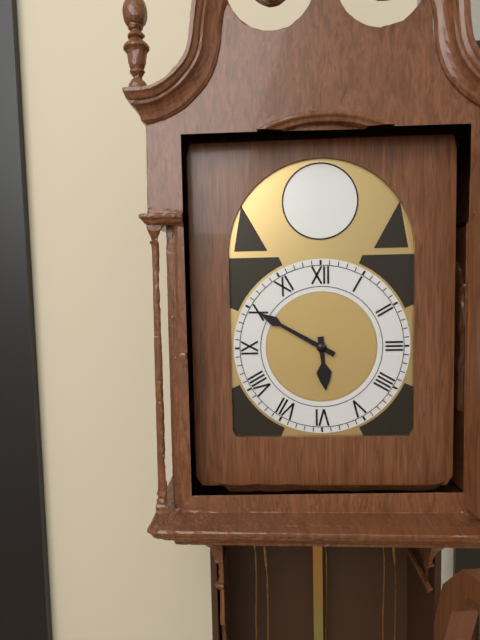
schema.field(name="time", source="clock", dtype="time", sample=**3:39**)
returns **5:50**
